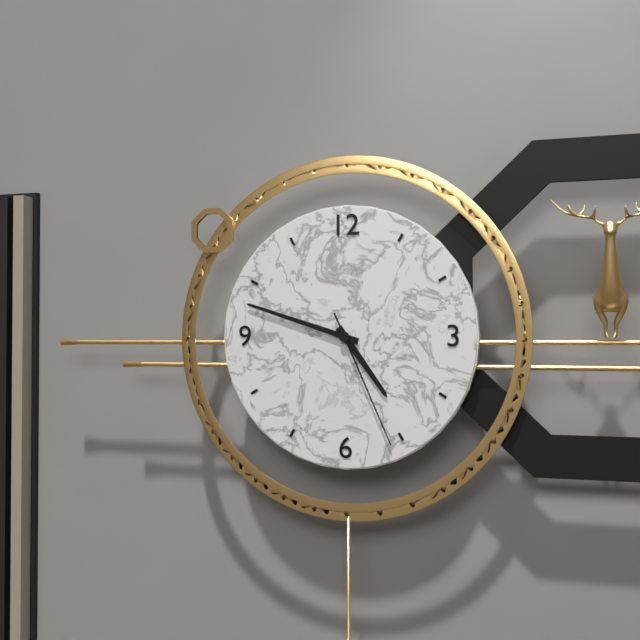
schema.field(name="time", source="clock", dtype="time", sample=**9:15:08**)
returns **4:48:26**
